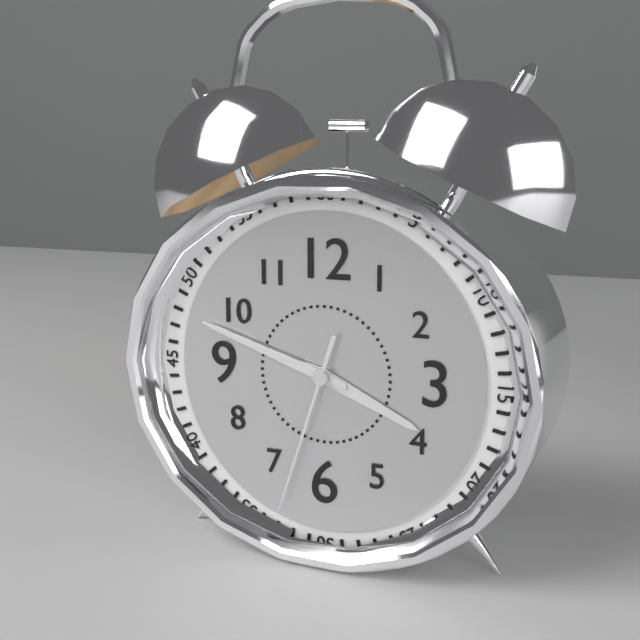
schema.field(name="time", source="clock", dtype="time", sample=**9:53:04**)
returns **3:48:33**
